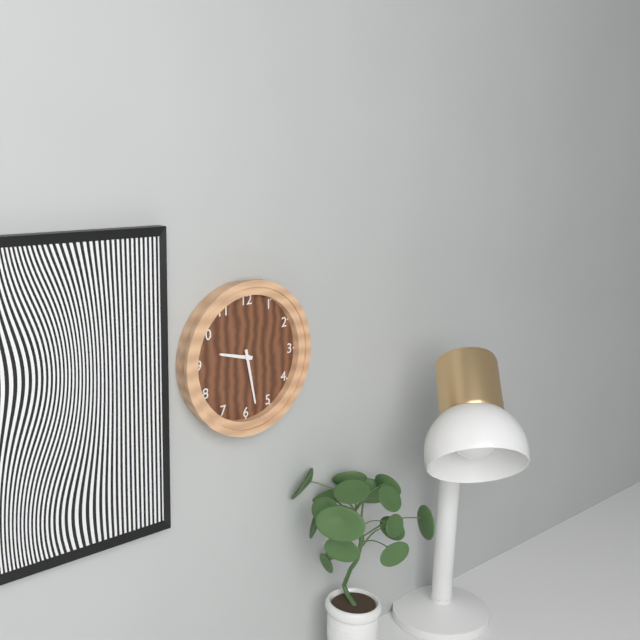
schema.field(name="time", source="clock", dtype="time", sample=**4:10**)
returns **9:28**
